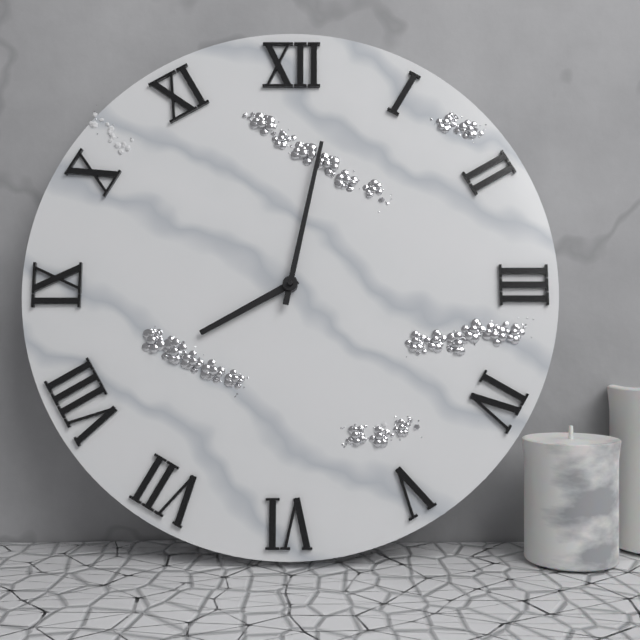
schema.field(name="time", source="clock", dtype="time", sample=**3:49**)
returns **8:02**
